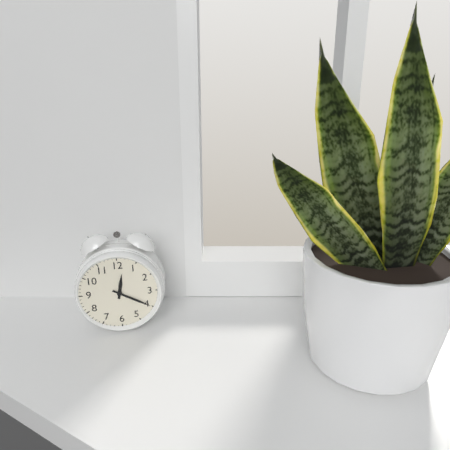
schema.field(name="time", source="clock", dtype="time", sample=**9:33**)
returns **12:20**
